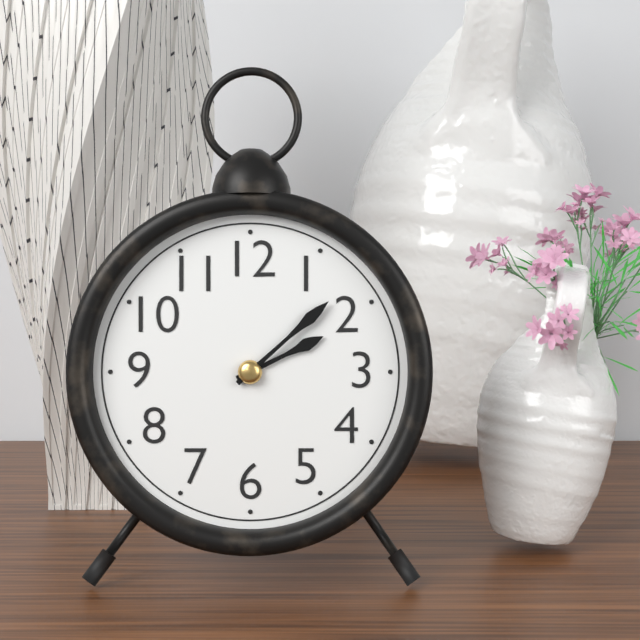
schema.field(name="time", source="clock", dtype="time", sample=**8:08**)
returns **2:08**
